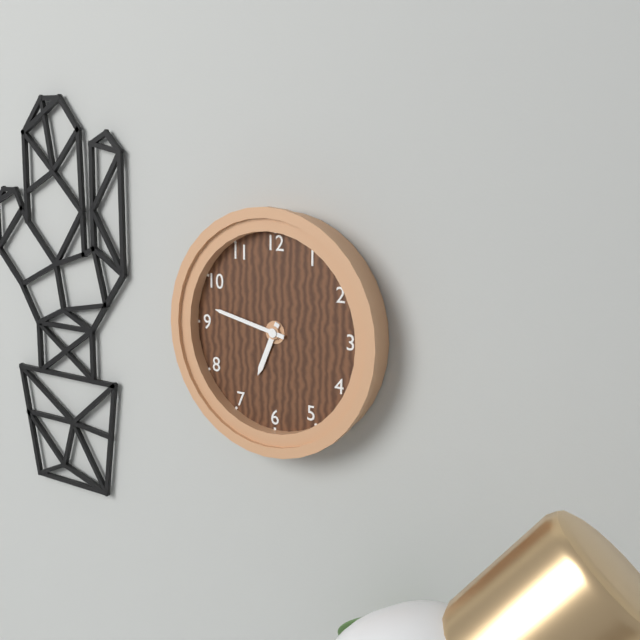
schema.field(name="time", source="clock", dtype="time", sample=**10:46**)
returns **6:47**
